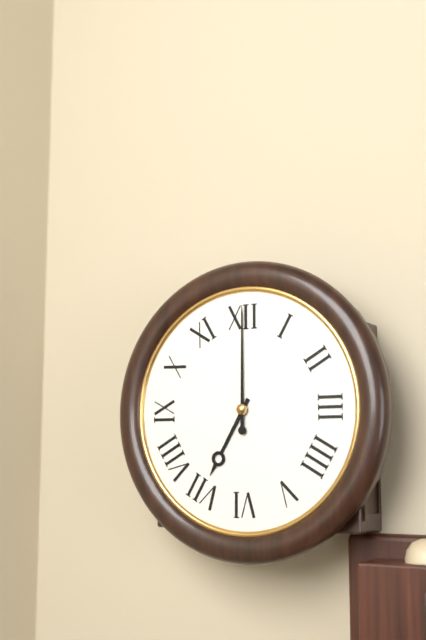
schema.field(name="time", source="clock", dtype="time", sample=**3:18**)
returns **7:00**
